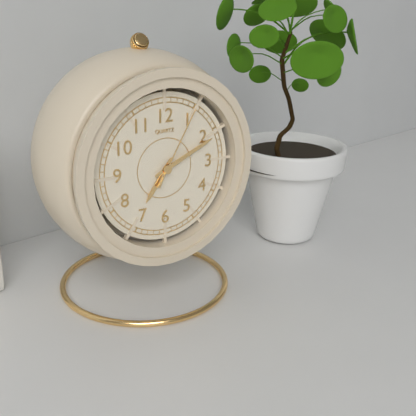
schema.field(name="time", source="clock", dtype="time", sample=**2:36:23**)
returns **7:11:05**
